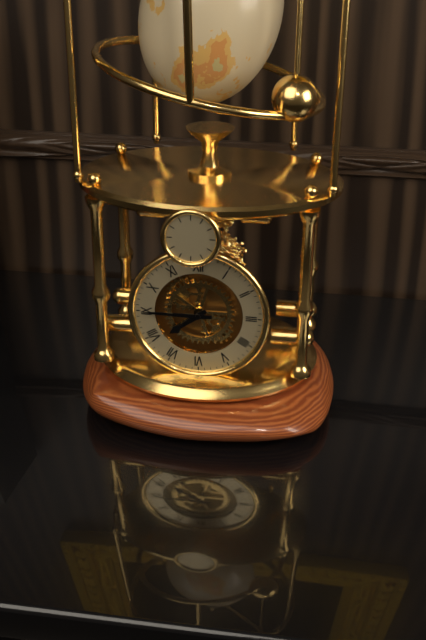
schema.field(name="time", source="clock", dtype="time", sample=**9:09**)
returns **7:45**
